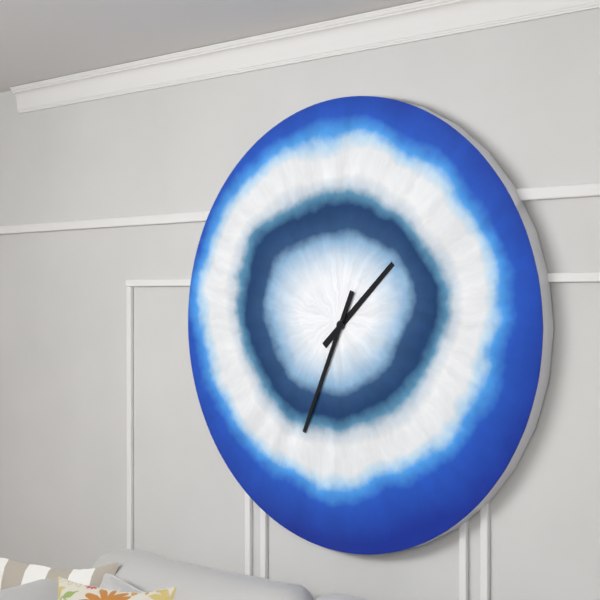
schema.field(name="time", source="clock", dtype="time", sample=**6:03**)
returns **1:34**
